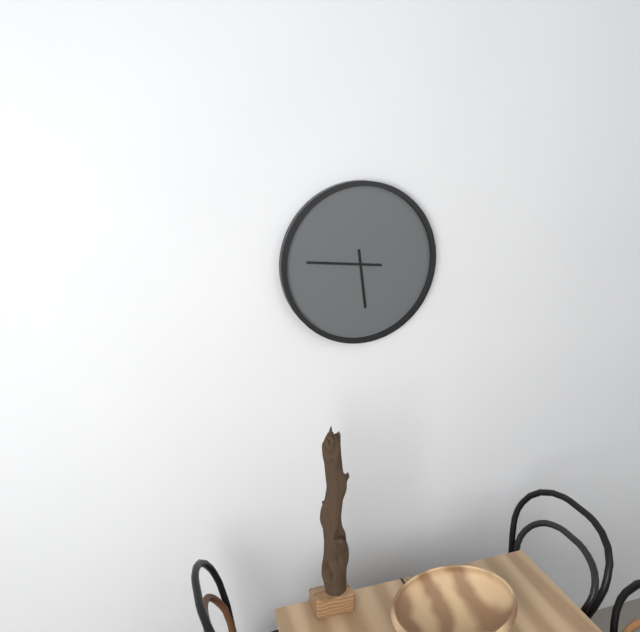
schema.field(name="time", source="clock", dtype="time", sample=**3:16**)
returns **5:46**
